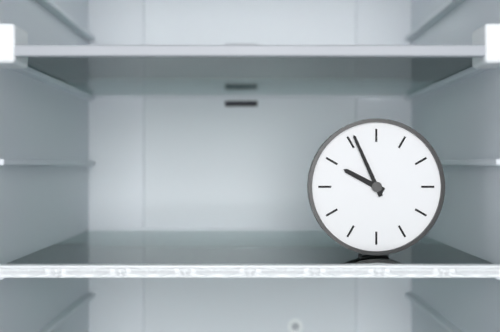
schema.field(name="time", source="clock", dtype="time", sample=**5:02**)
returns **9:56**
